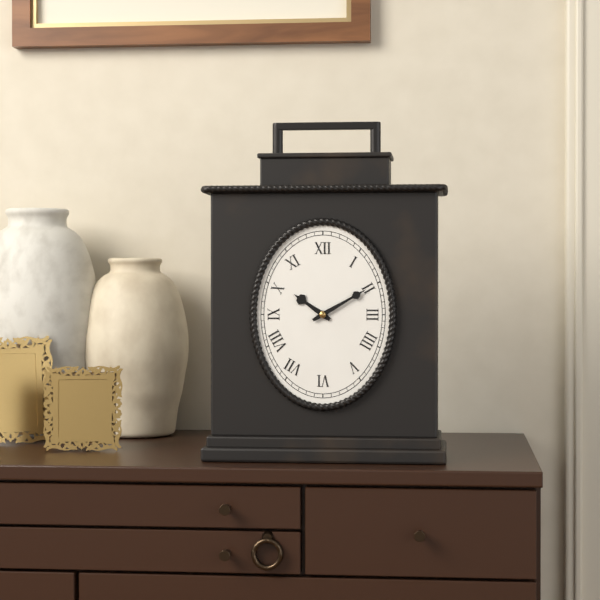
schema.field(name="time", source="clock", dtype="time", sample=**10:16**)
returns **10:10**
